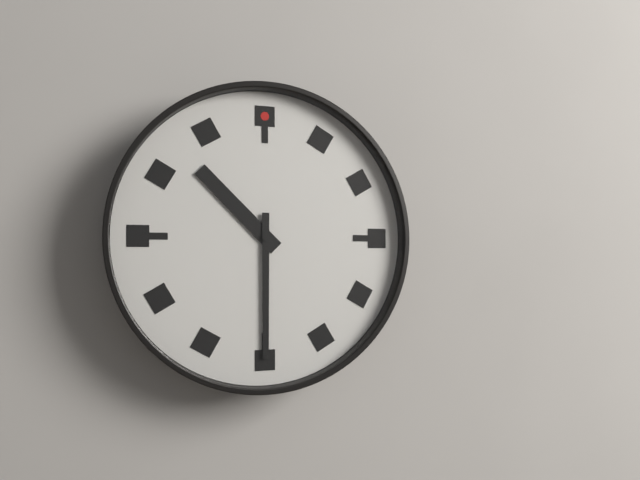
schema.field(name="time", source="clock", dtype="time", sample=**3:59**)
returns **10:30**
